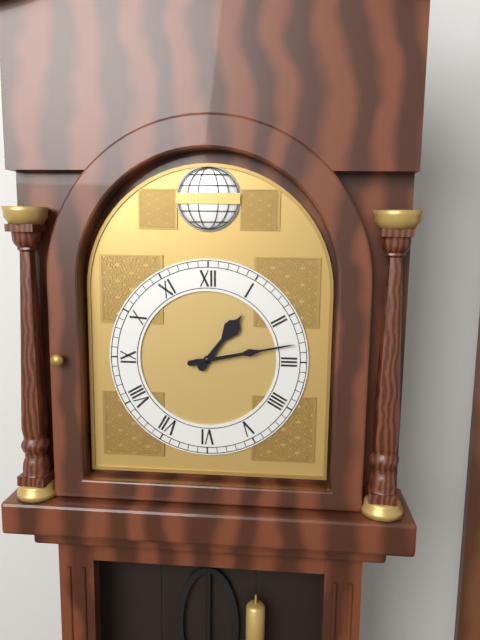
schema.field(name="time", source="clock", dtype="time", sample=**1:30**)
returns **1:13**
